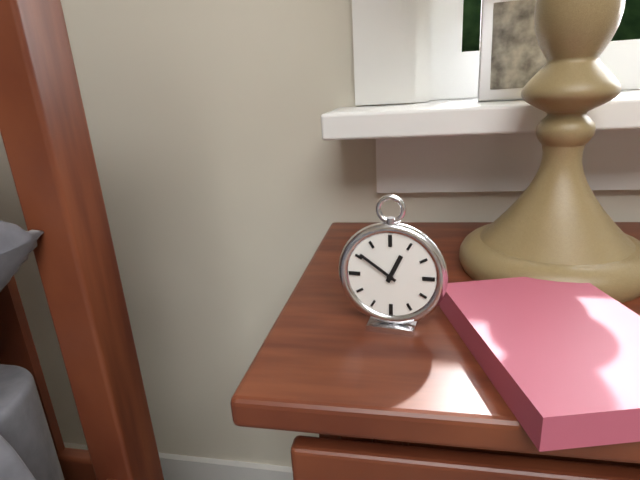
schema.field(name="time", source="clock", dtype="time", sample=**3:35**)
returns **12:51**
